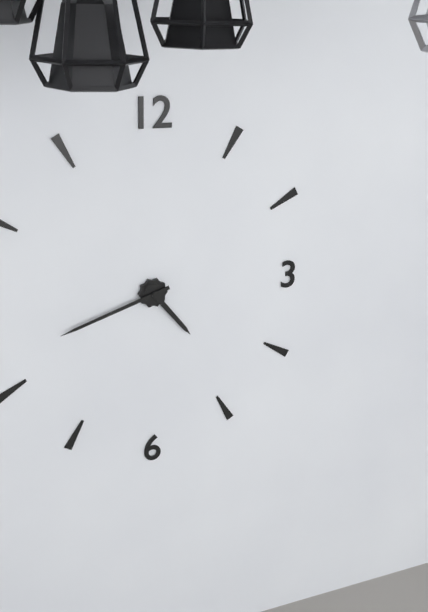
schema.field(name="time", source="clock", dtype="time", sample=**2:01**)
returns **4:42**
